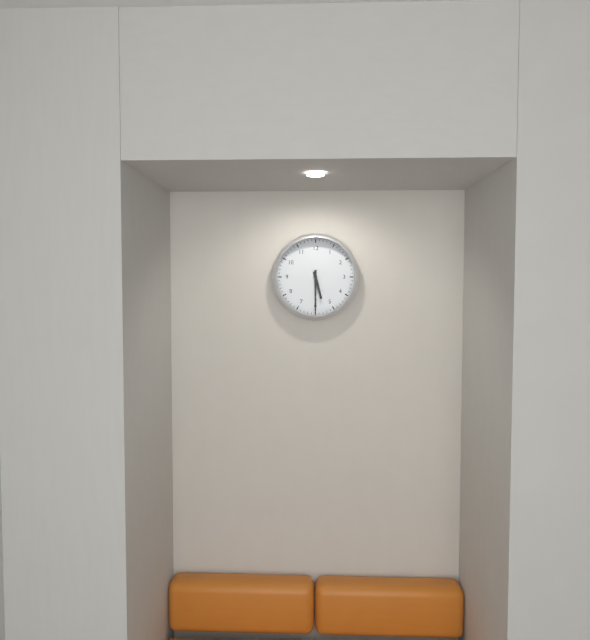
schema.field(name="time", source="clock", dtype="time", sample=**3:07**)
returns **5:30**
